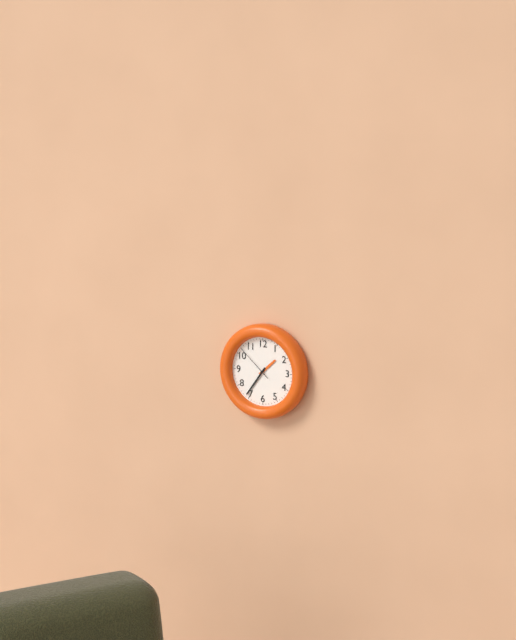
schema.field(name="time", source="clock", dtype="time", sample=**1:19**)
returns **1:36**
